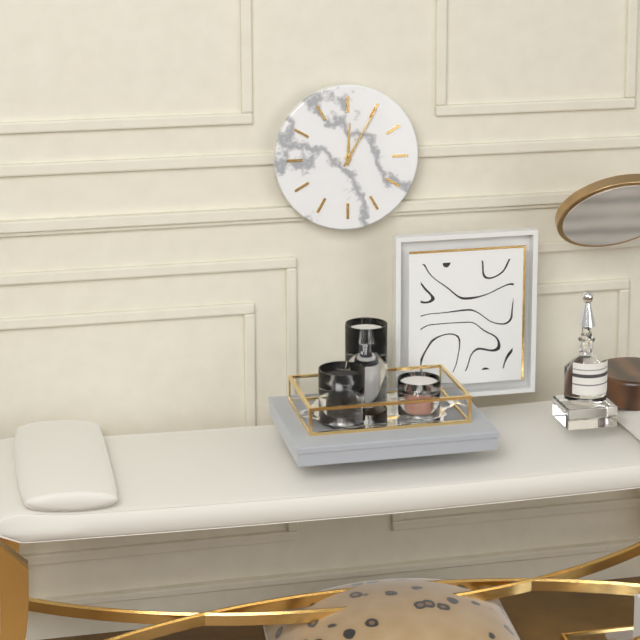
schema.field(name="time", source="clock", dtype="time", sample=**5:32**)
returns **12:05**
